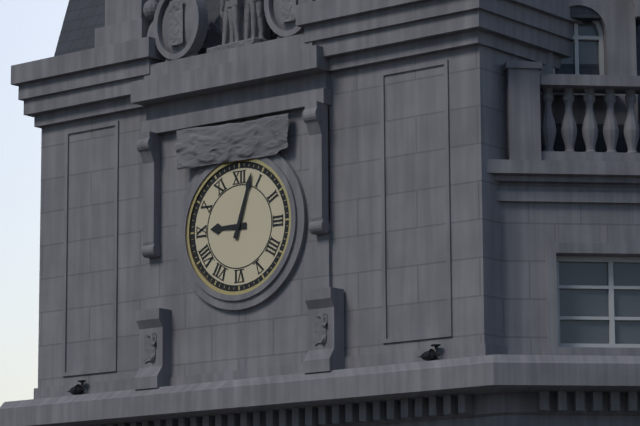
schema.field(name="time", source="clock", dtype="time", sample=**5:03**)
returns **9:03**
